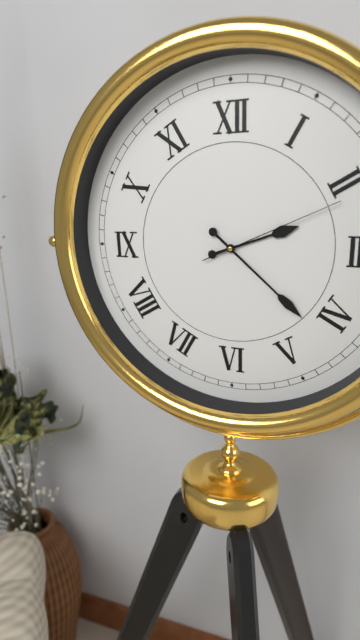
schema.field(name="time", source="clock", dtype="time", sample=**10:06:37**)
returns **2:22:11**
